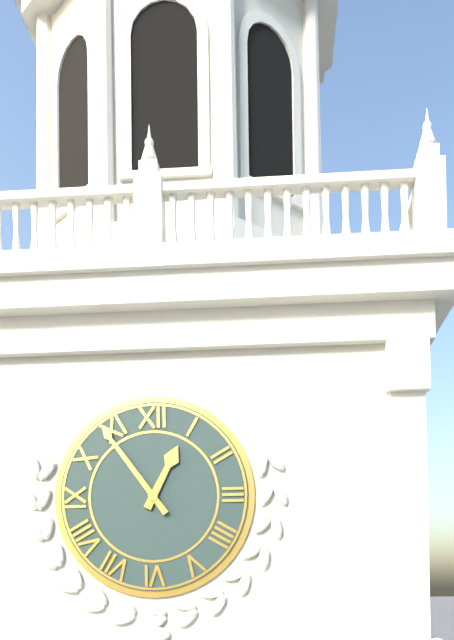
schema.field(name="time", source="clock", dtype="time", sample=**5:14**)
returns **12:54**
